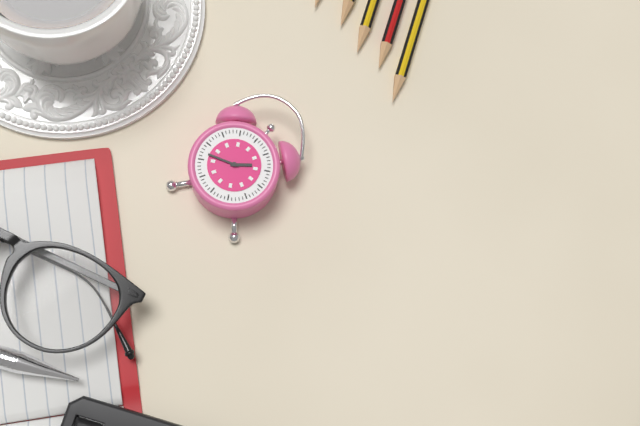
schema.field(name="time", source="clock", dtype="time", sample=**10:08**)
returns **1:42**
